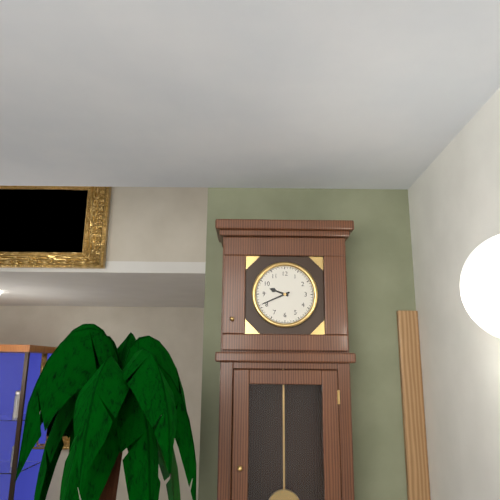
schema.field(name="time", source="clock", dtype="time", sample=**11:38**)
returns **9:41**
